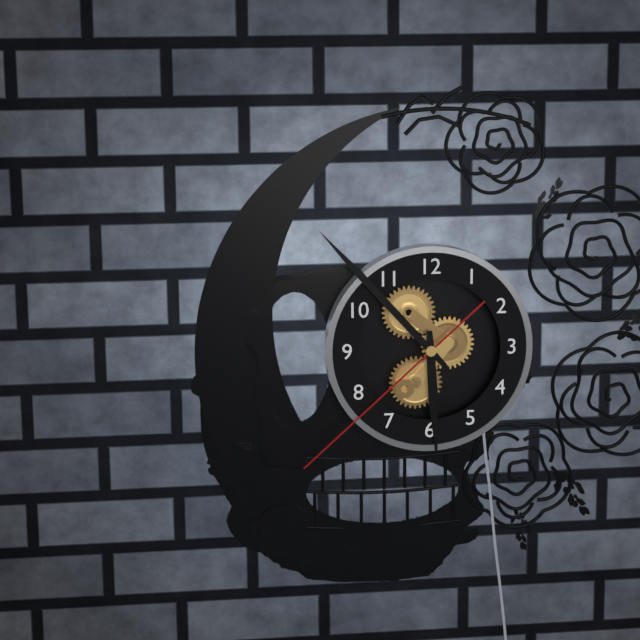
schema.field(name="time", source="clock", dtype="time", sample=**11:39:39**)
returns **5:53:38**
